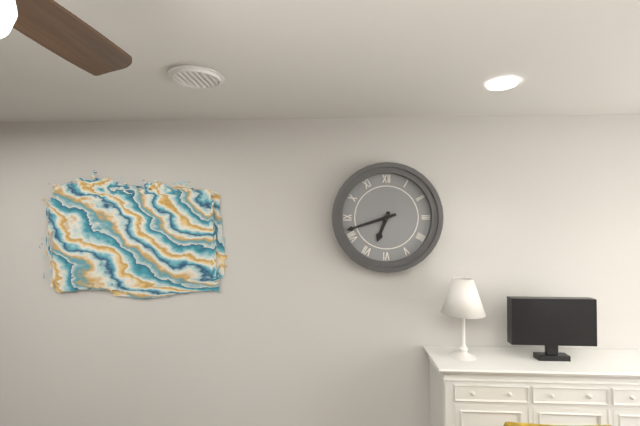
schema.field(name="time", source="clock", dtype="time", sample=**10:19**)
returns **6:42**
